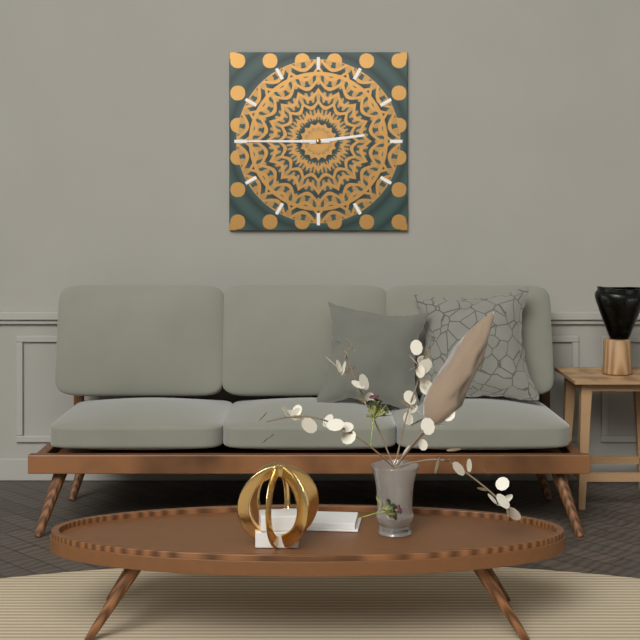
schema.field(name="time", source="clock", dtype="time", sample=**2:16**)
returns **2:45**
